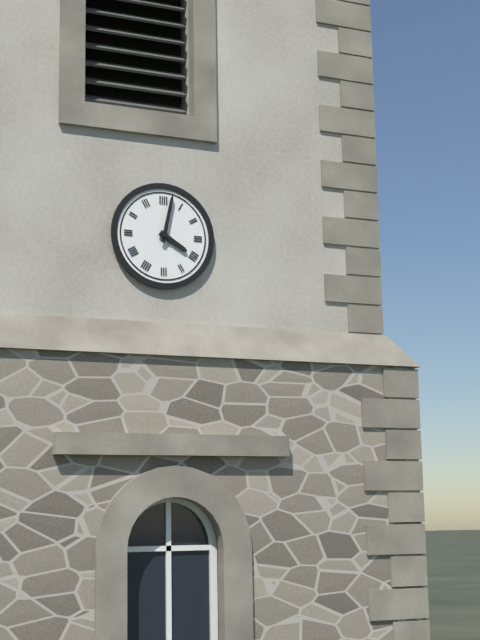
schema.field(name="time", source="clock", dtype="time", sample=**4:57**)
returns **4:02**
